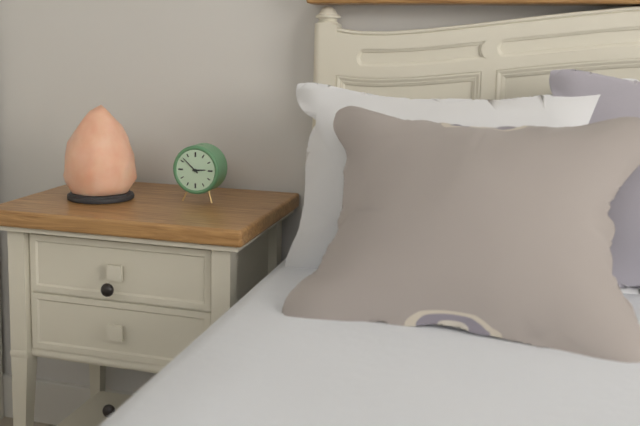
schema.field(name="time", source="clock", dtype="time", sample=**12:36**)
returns **2:52**
